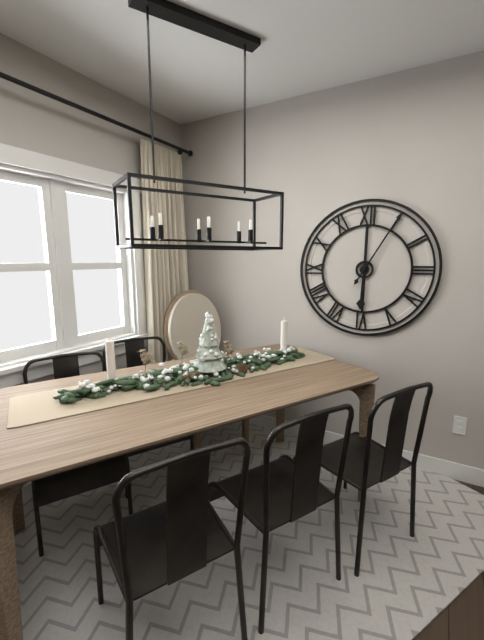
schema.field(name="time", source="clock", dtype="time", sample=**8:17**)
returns **6:05**
